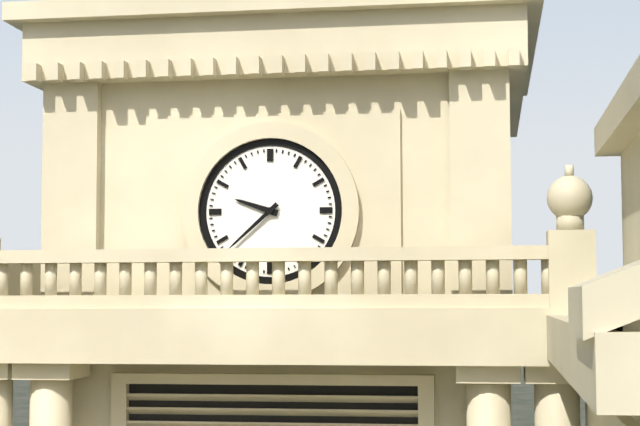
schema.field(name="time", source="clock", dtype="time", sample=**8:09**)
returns **9:38**
